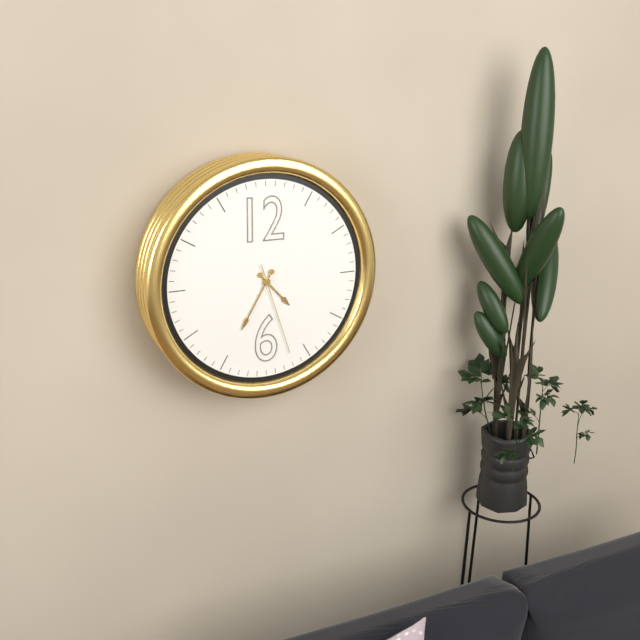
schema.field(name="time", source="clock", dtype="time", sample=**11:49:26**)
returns **4:35:27**
